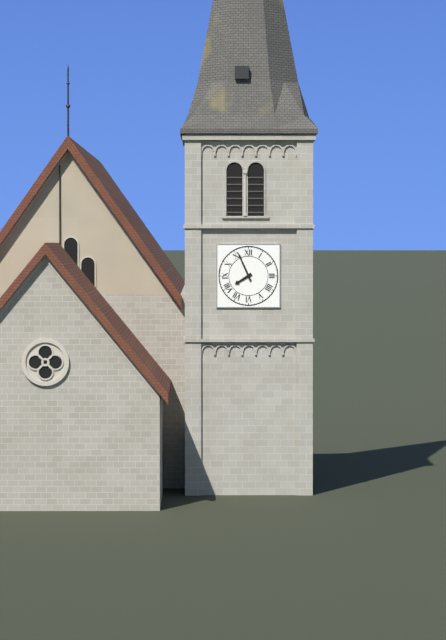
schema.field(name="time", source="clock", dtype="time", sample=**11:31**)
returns **7:56**
